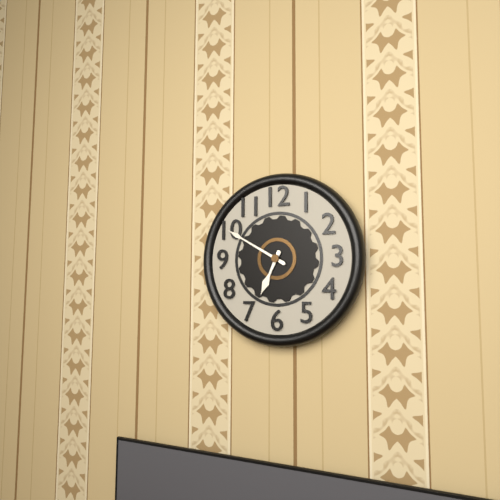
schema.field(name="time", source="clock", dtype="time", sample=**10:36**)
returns **6:50**
